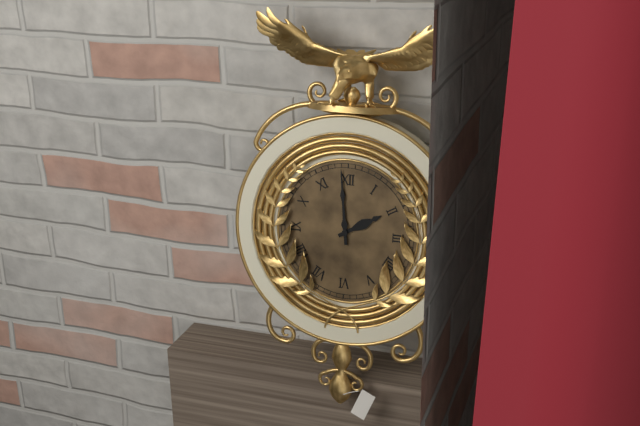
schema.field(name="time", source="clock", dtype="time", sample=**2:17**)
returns **1:59**
